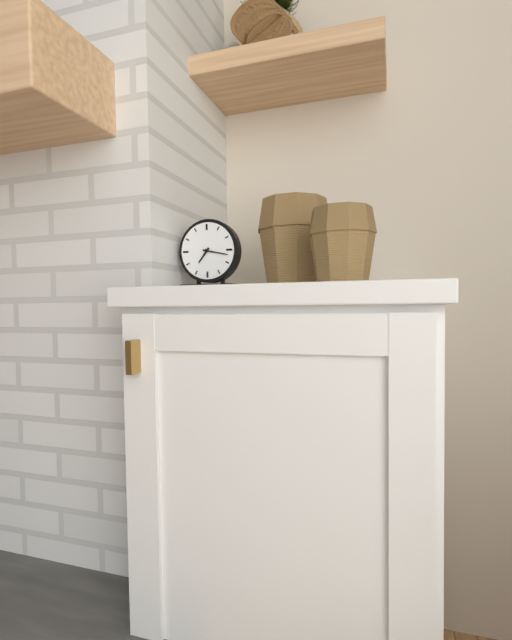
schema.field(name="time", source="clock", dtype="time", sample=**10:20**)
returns **7:17**
